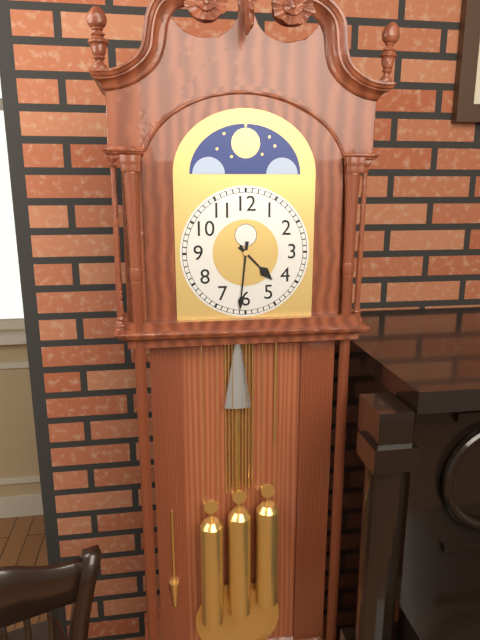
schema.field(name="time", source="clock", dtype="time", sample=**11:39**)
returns **4:31**
